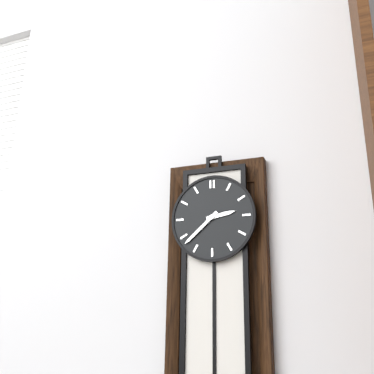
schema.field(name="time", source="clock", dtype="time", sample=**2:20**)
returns **2:38**
